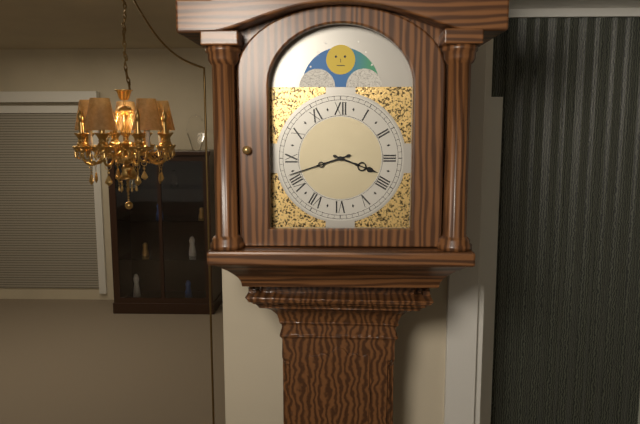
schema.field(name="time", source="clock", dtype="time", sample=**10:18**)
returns **3:42**
